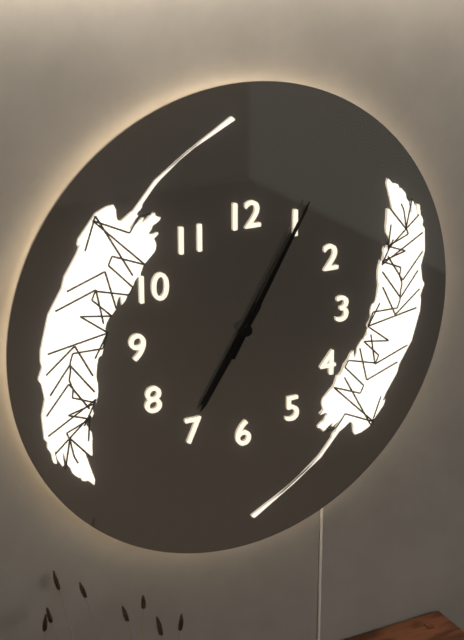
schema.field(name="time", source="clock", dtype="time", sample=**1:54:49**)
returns **7:05:05**
